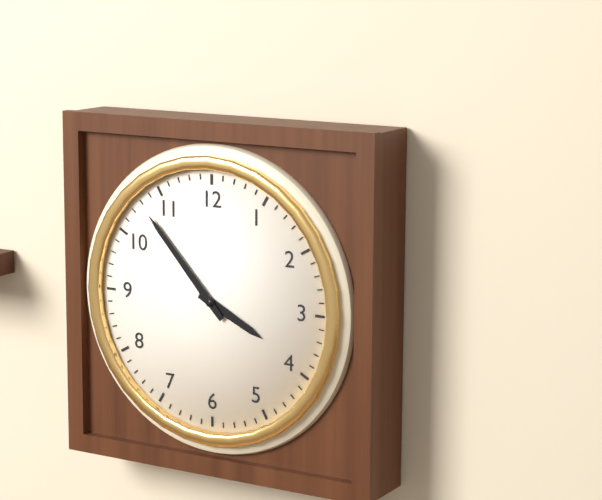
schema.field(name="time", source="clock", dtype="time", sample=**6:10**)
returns **3:53**
